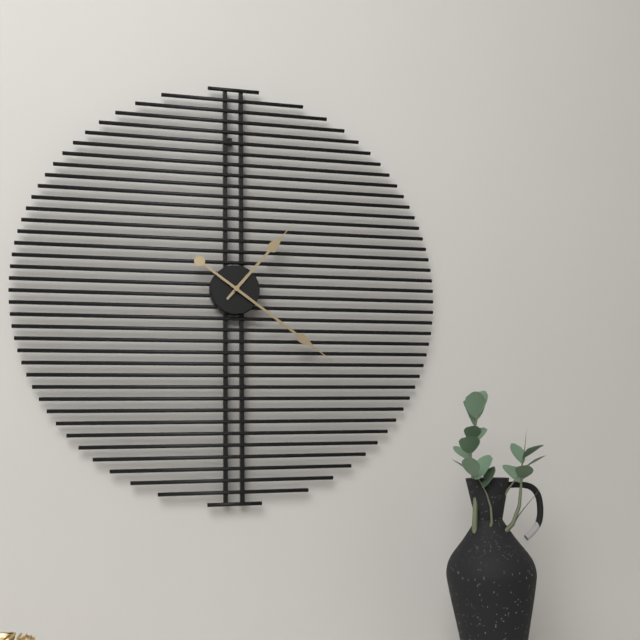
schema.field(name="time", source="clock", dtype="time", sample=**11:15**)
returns **1:21**
